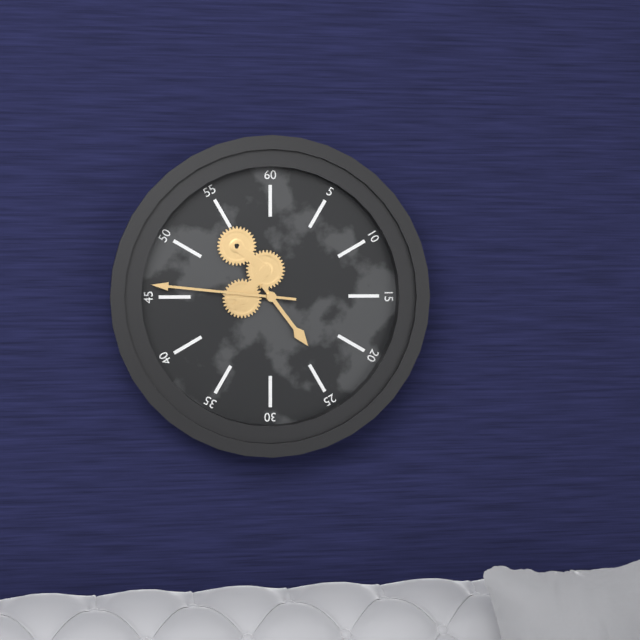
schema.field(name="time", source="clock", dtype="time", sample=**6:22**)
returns **4:46**
